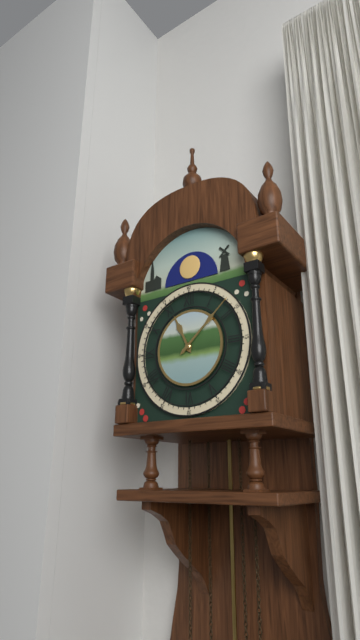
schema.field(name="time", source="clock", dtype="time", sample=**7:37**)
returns **11:08**
